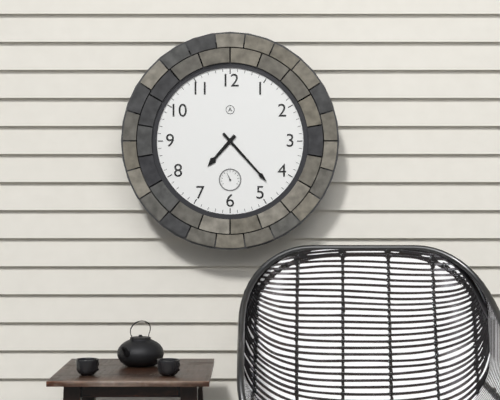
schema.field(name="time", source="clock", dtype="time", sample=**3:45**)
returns **7:23**
